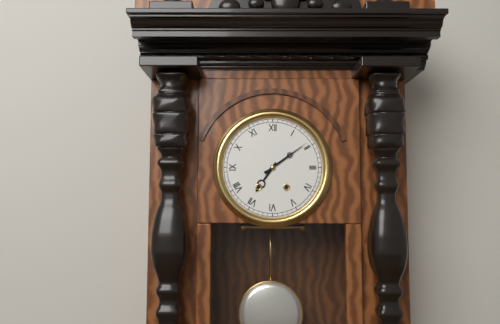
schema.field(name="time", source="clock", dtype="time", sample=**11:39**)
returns **7:09**
